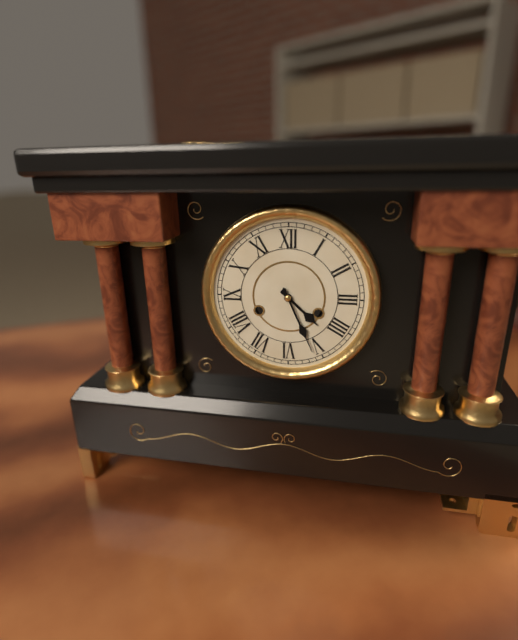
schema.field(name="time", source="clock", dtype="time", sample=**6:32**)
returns **4:26**
